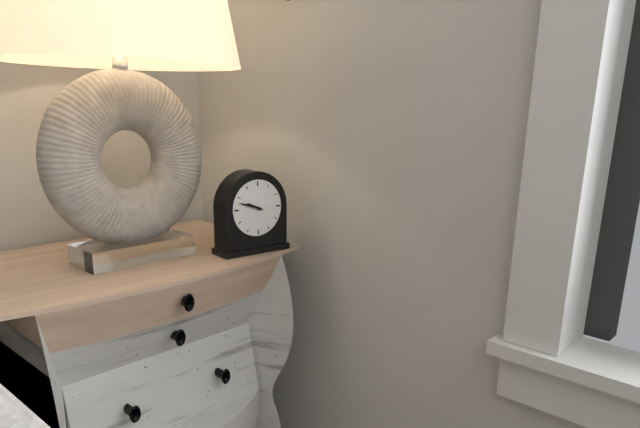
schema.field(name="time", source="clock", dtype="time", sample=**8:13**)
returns **9:48**
